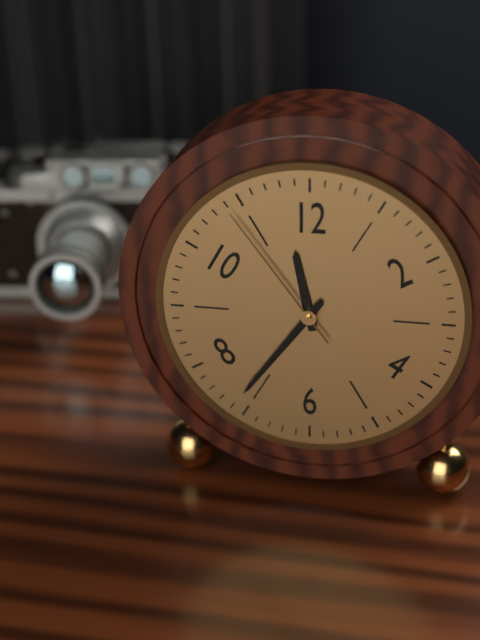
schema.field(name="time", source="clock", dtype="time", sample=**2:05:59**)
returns **11:36:54**
